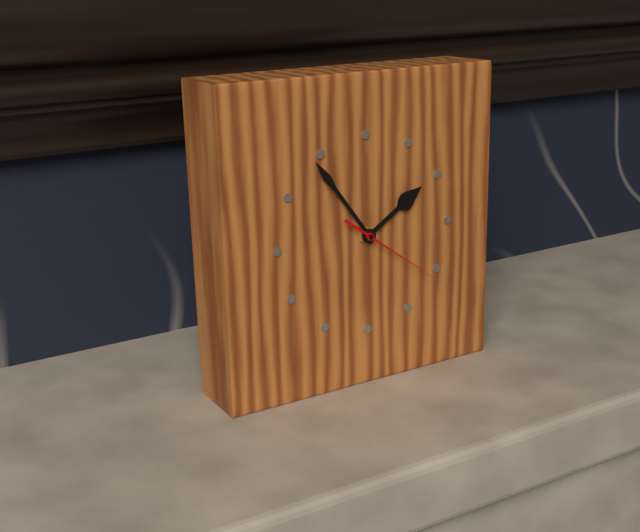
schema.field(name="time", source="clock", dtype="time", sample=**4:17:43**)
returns **1:54:21**
